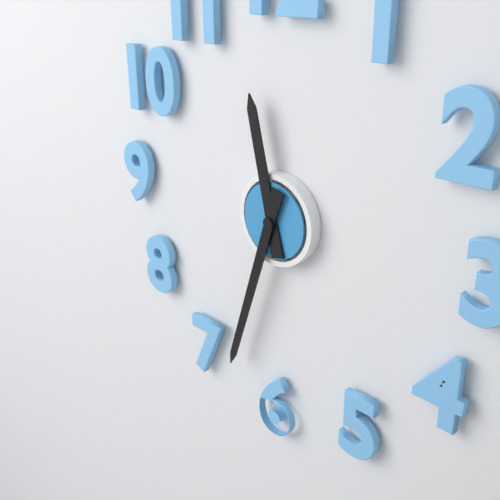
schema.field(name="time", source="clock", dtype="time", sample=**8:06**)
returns **11:33**
